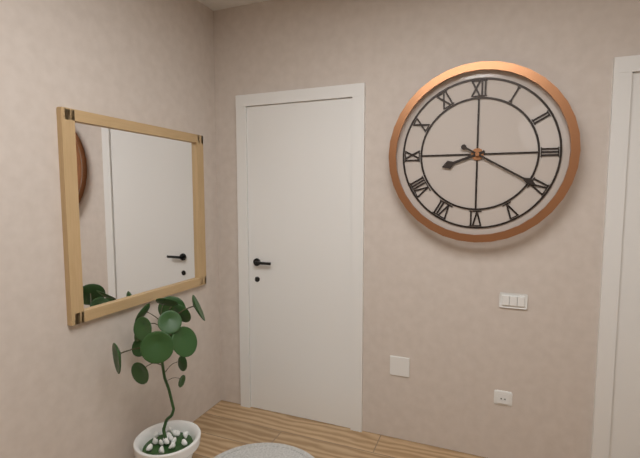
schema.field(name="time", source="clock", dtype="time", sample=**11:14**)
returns **8:20**
